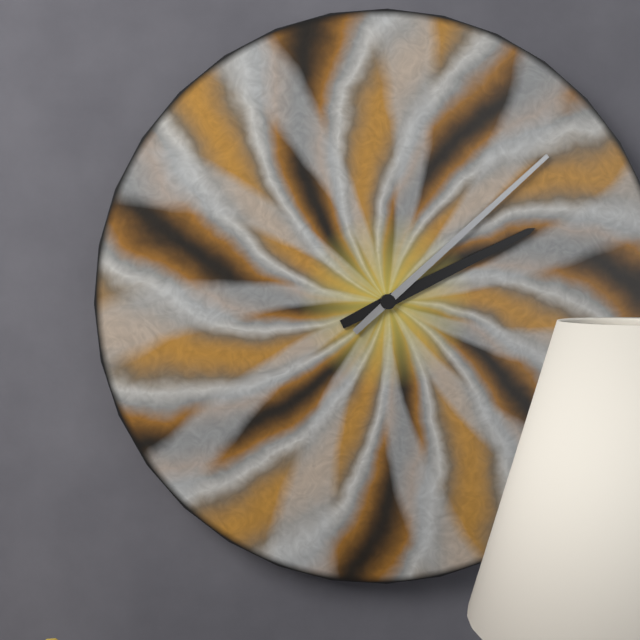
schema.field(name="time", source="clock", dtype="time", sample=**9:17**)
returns **2:08**
